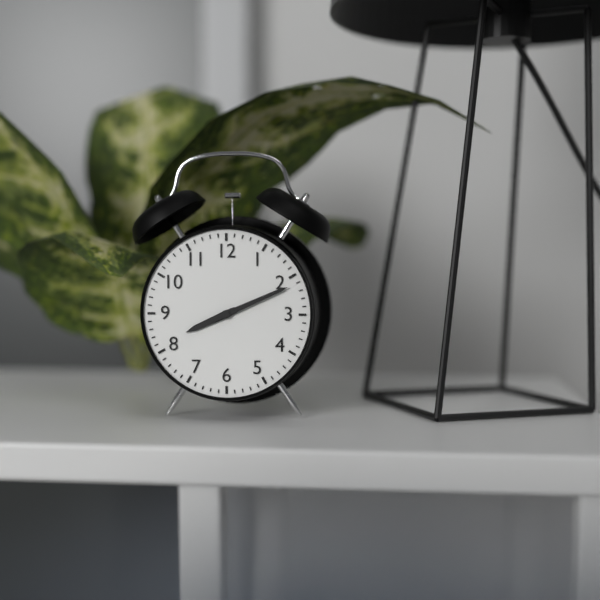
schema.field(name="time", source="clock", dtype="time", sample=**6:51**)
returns **8:11**
